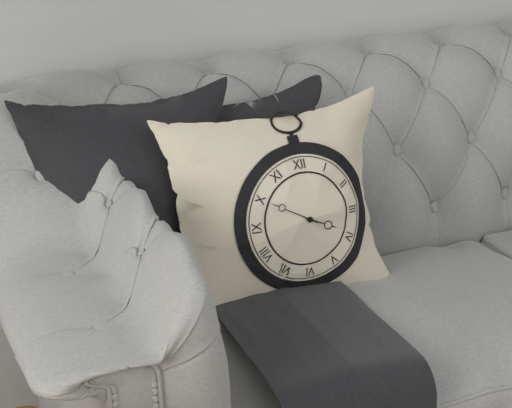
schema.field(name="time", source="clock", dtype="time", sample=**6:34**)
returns **3:50**
